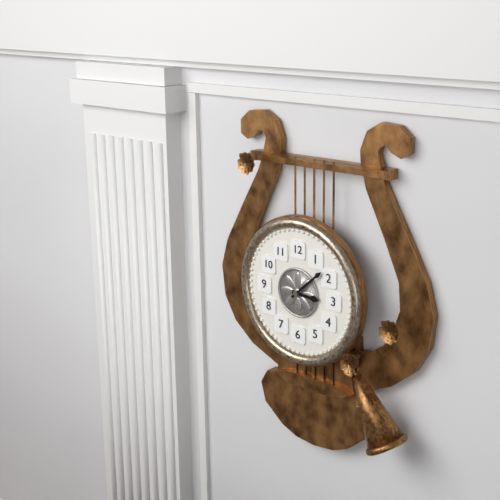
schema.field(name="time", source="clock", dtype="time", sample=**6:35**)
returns **3:08**
